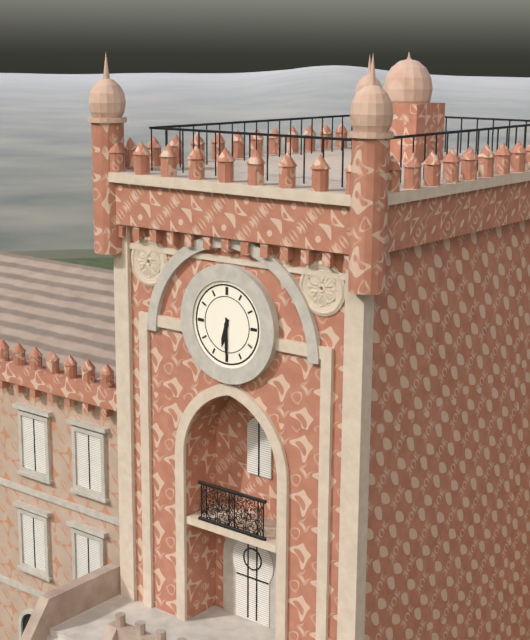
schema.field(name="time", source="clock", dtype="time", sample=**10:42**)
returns **6:30**
